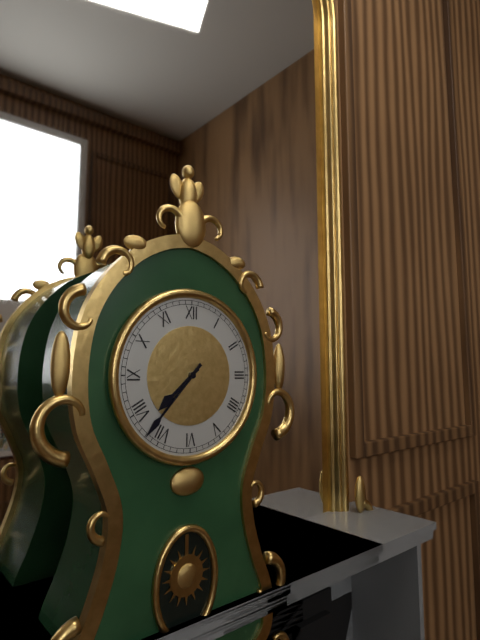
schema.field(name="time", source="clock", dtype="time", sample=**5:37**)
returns **7:37**
